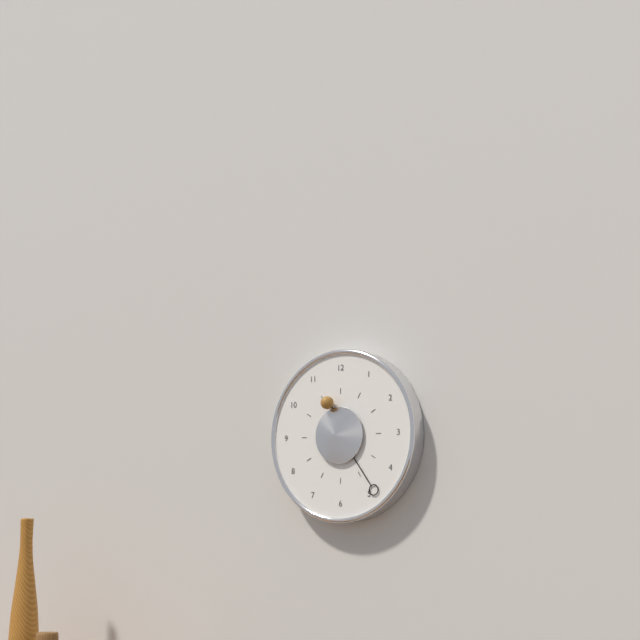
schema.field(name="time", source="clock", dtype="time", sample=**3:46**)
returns **11:24**
